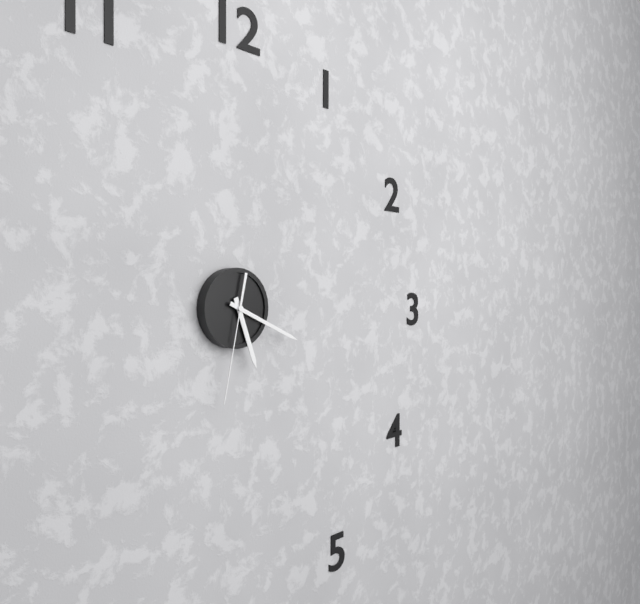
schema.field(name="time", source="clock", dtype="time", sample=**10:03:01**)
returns **5:19:32**
